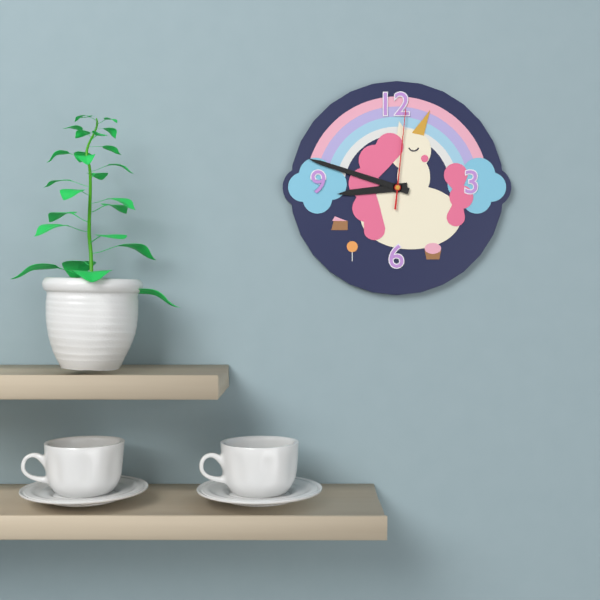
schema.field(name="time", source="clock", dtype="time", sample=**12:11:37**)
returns **8:48:01**
